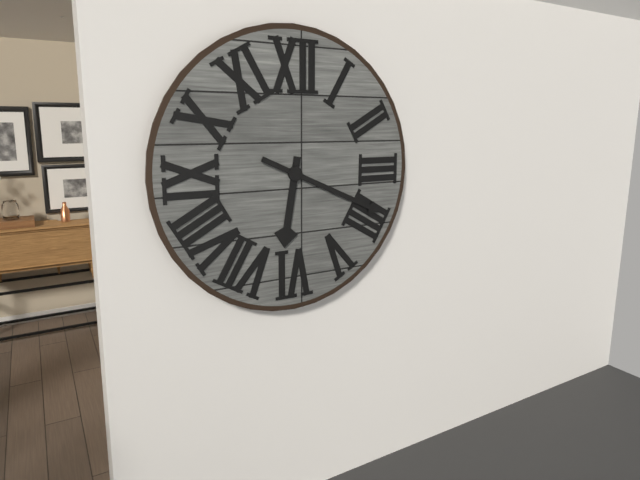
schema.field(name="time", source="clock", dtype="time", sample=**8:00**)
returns **6:19**
